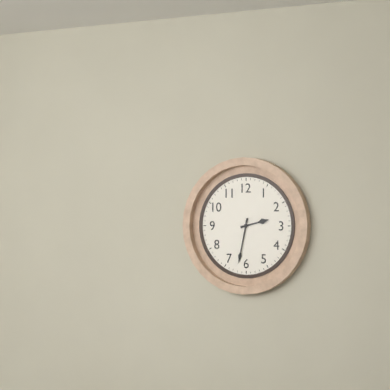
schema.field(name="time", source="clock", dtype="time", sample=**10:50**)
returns **2:32**
